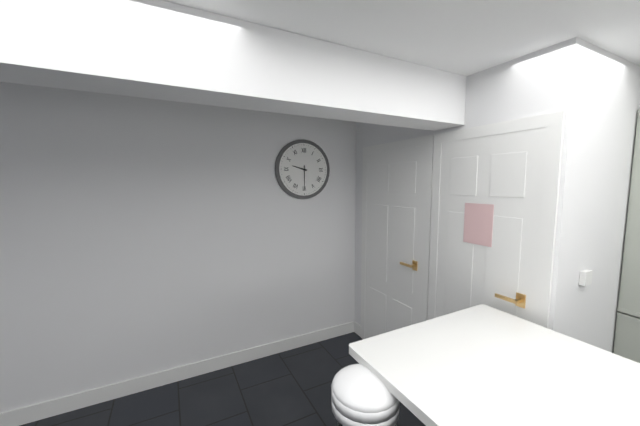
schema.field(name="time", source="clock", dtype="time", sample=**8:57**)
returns **9:30**
